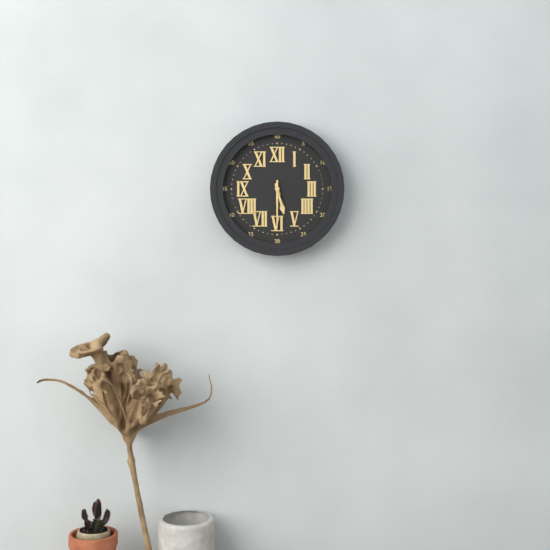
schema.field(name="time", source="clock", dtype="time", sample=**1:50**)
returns **5:30**
